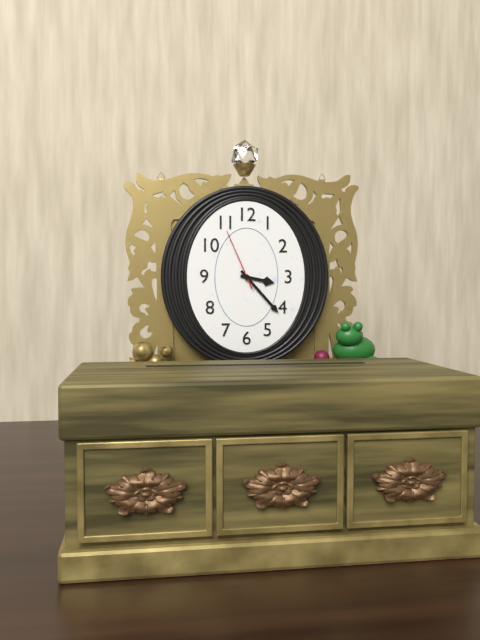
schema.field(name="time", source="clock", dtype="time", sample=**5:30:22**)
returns **3:23:56**
